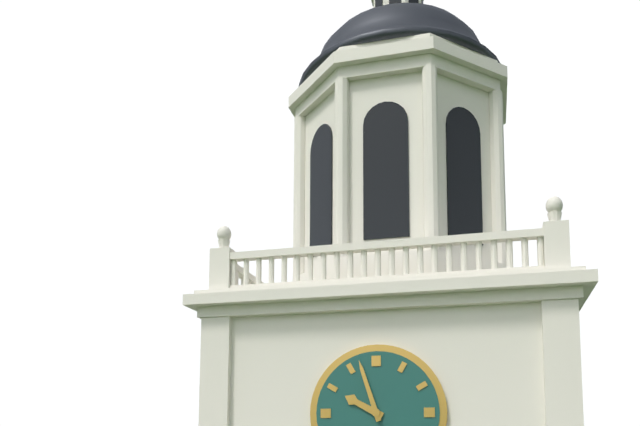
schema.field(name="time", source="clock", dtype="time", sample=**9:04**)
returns **9:57**
